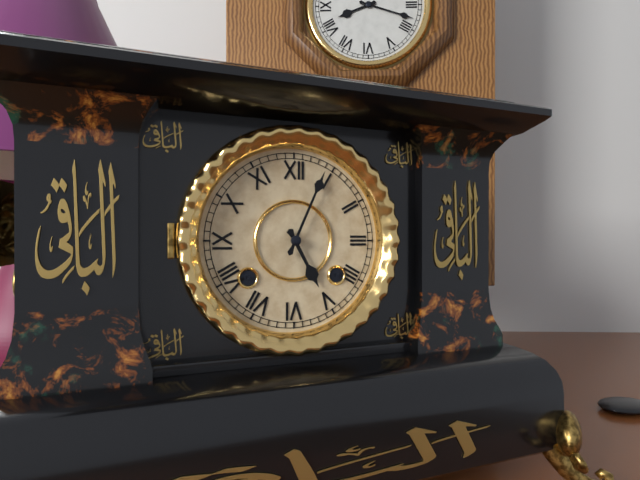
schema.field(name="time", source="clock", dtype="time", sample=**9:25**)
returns **5:04**
